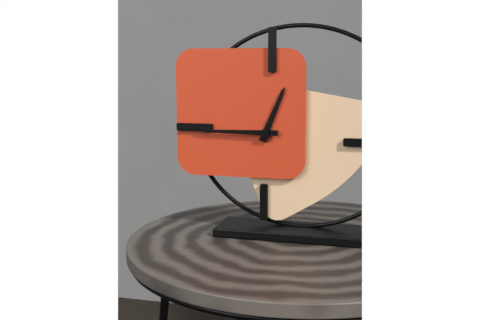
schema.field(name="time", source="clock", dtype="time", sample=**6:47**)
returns **12:45**
